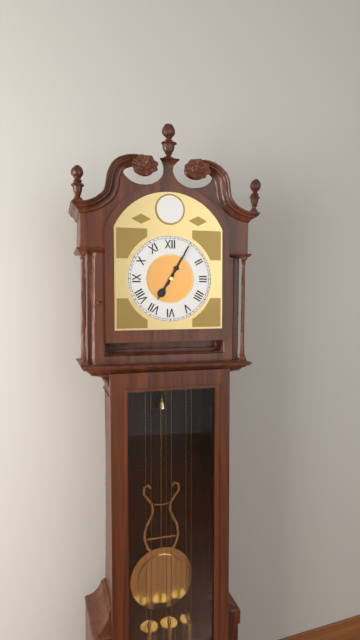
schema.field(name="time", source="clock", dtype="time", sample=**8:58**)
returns **7:05**
